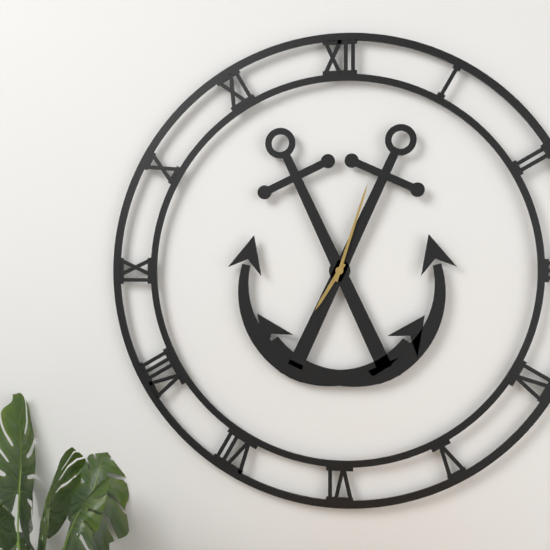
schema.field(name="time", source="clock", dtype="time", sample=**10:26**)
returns **7:03**
